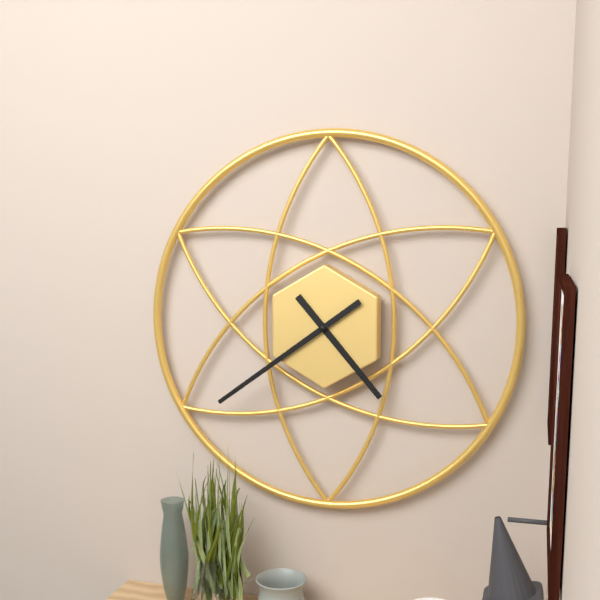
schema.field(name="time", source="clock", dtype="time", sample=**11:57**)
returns **4:39**
